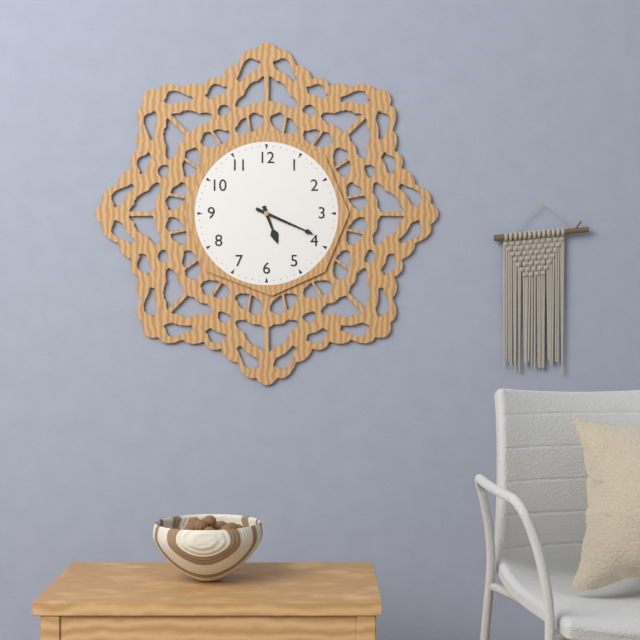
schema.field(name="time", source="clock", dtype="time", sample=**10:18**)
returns **5:19**
